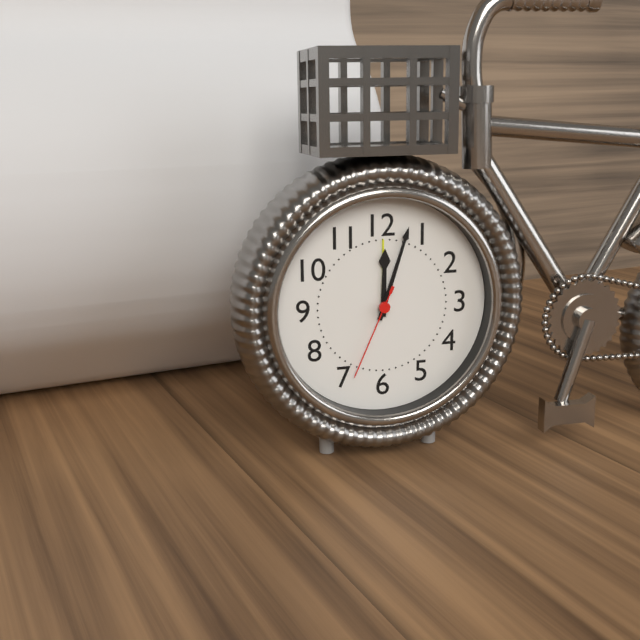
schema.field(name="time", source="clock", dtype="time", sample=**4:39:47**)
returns **12:03:34**
